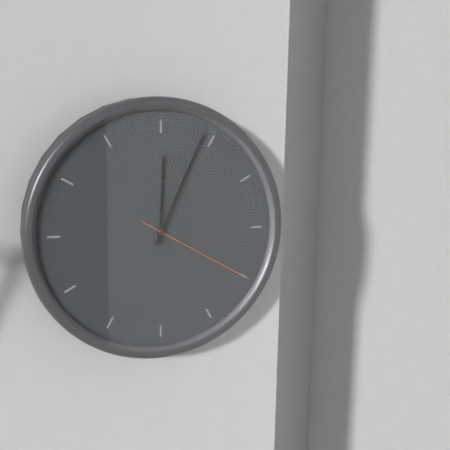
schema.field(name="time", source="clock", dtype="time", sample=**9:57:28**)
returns **12:04:20**
